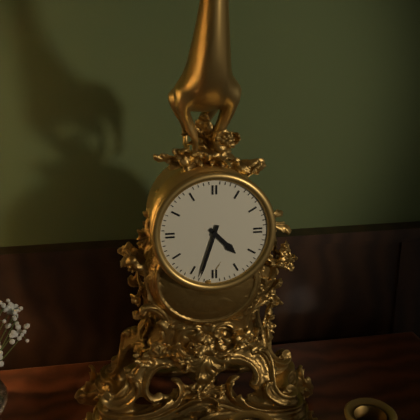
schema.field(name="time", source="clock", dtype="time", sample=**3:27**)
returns **4:33**
